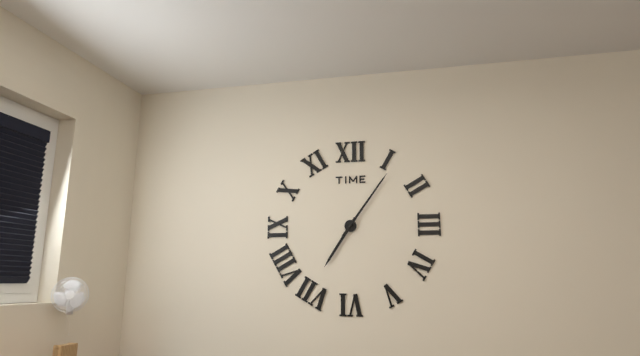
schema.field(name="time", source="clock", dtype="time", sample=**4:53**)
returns **7:06**
